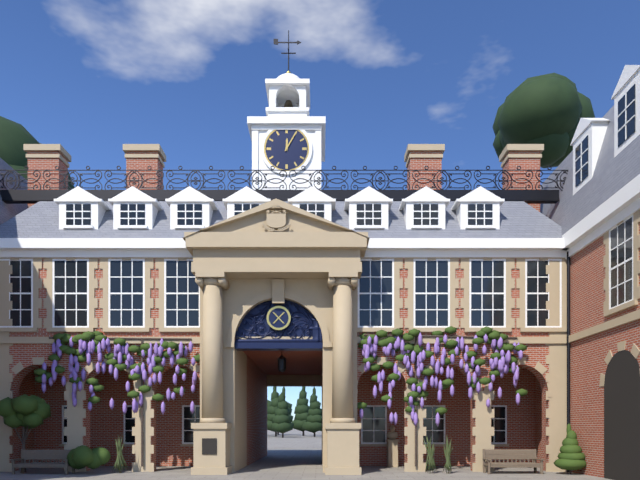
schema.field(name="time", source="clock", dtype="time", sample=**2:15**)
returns **12:05**
